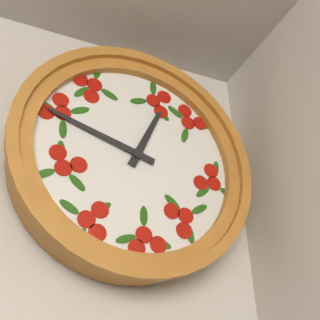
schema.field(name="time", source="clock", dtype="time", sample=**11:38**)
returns **12:48**
